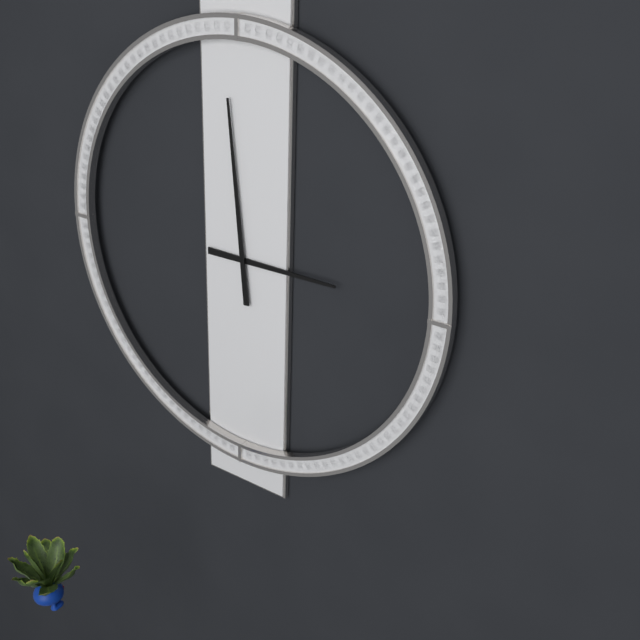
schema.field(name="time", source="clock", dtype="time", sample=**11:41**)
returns **2:59**
